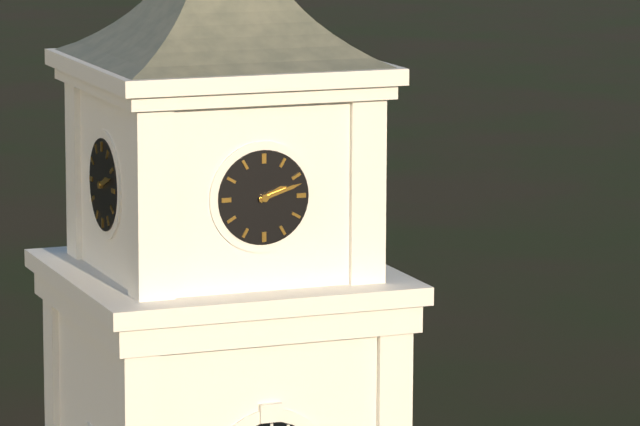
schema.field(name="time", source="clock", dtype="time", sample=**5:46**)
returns **2:12**
